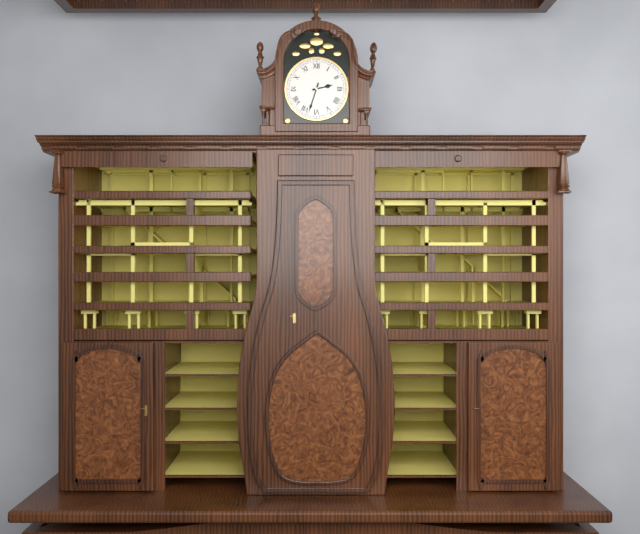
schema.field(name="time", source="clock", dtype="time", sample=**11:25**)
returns **2:33**
